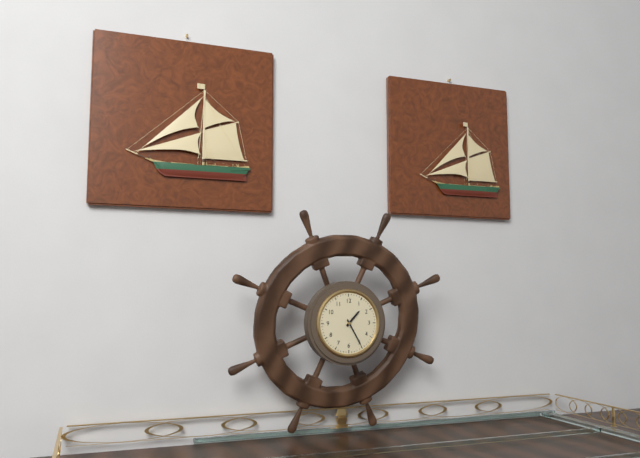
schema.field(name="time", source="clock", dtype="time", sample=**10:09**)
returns **1:25**
